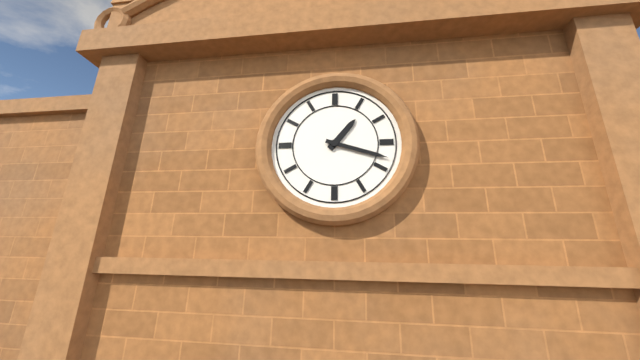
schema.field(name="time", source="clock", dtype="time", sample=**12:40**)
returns **1:18**
